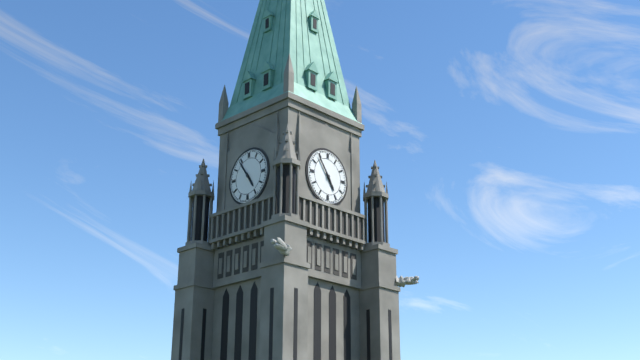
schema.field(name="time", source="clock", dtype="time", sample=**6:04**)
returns **4:54**
